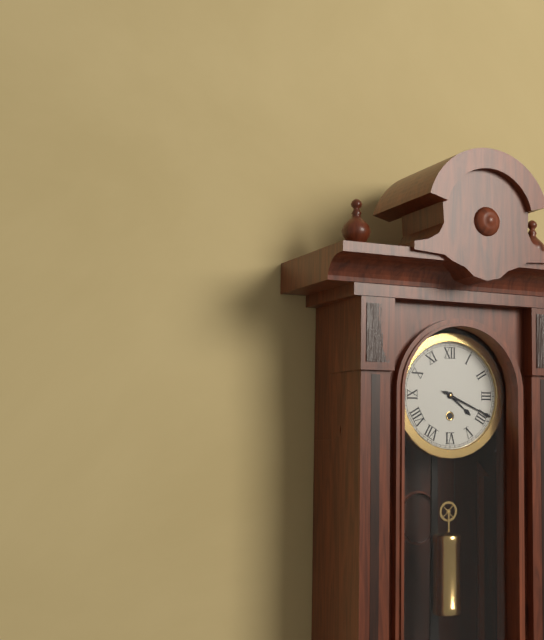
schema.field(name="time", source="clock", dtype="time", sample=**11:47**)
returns **4:19**
